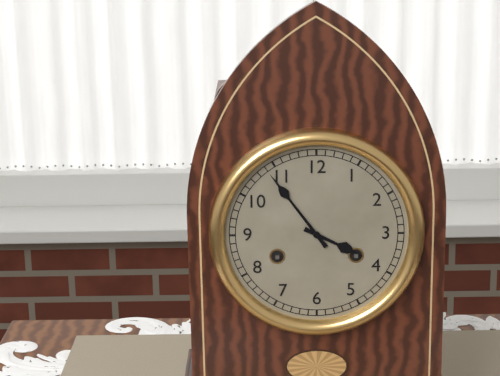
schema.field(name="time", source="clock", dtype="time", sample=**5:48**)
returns **3:54**
